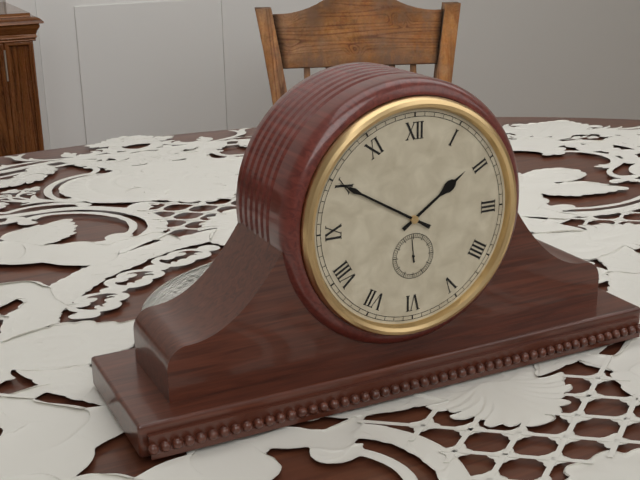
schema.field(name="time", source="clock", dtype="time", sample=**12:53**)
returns **1:50**
